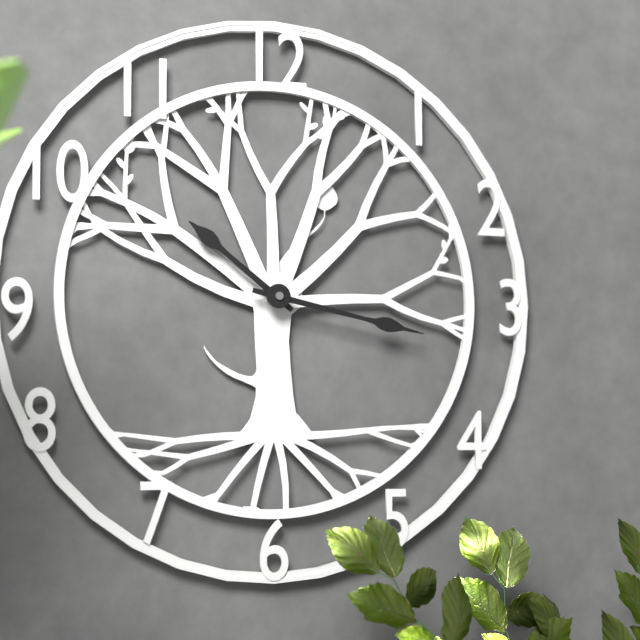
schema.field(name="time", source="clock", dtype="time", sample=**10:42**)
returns **10:17**
